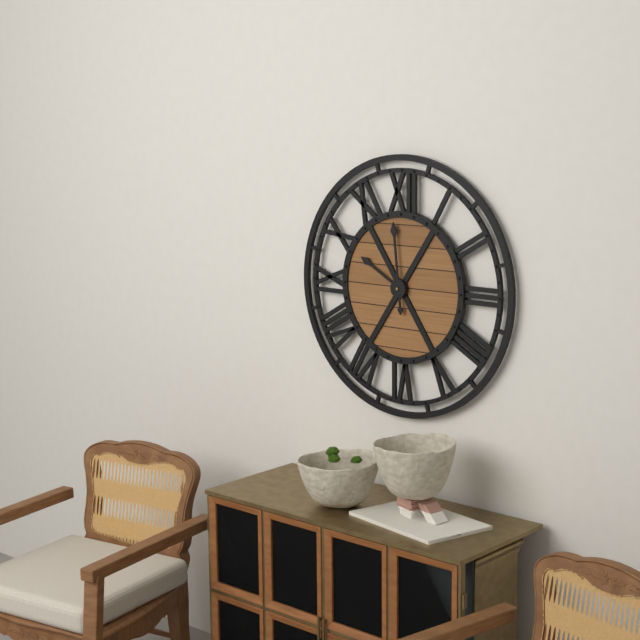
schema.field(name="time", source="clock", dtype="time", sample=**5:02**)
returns **9:59**
